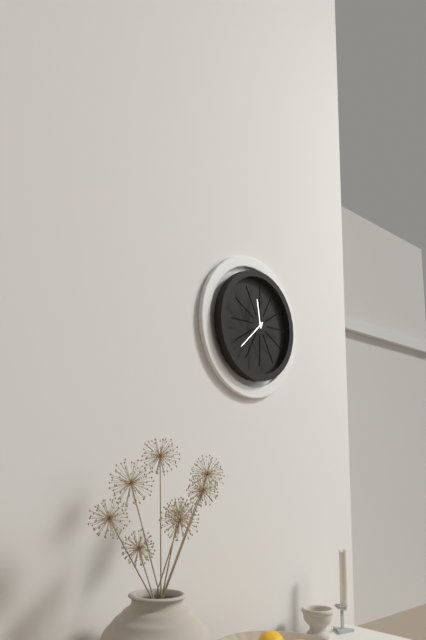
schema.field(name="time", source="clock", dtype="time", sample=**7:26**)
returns **11:38**
